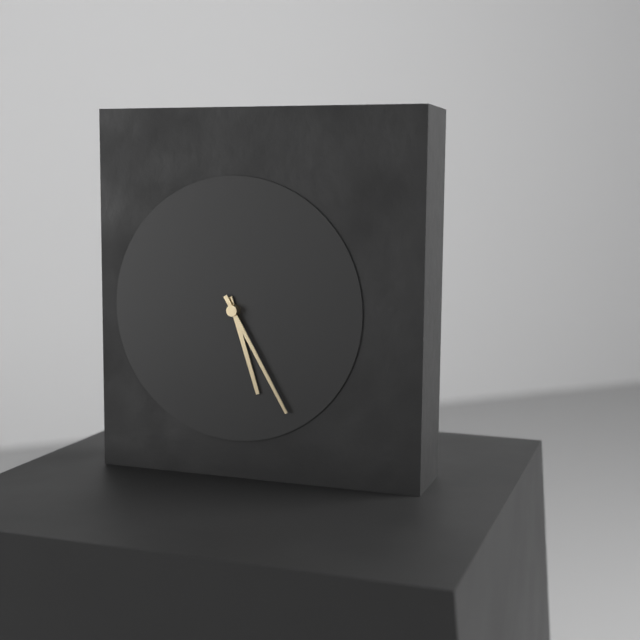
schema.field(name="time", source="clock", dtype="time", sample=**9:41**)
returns **5:25**
